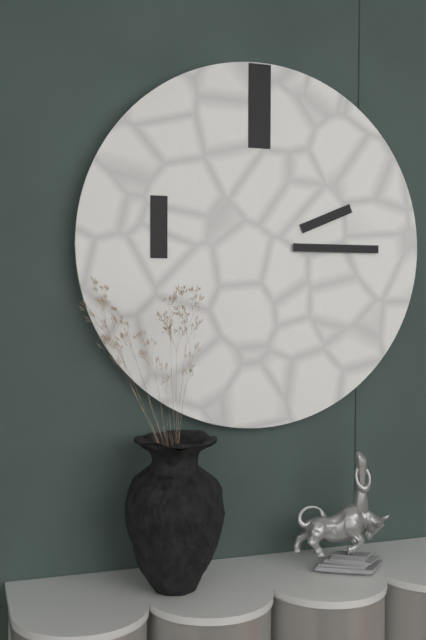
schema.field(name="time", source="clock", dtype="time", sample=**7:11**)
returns **2:15**
